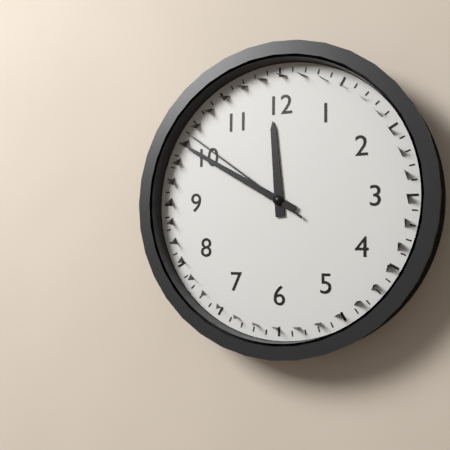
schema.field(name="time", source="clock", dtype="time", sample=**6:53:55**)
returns **11:50:51**
